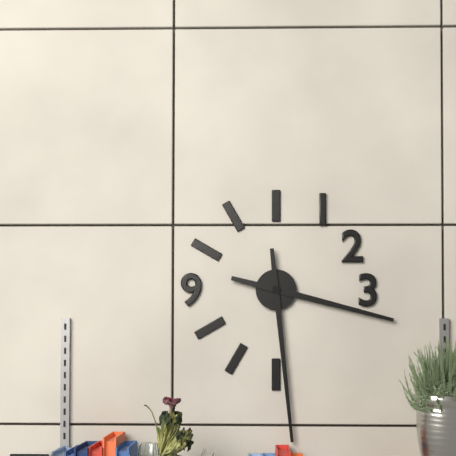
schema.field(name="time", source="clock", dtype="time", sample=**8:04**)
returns **3:29**
